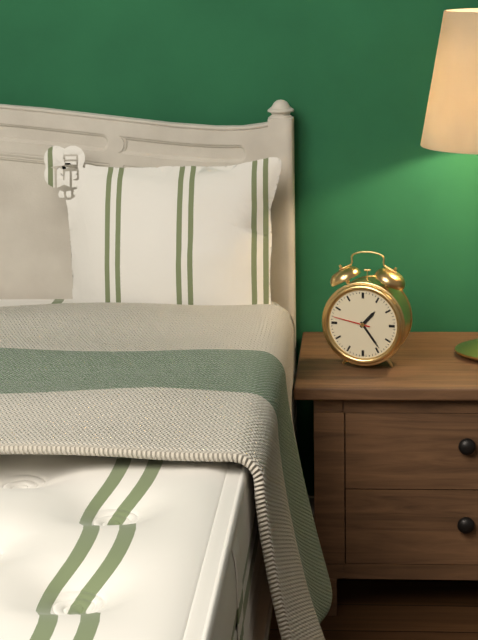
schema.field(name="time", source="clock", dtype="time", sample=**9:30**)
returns **1:24**
